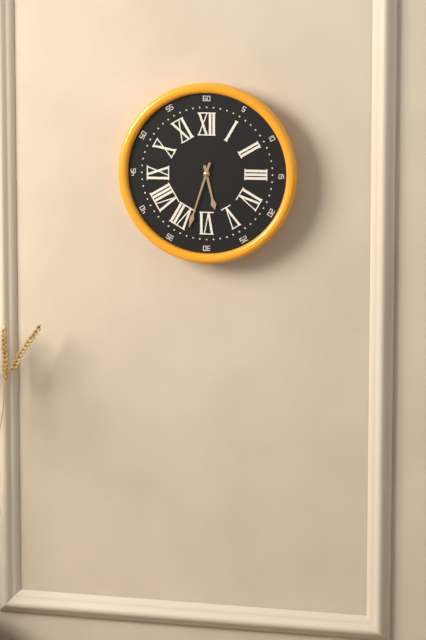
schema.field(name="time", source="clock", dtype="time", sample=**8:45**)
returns **5:33**
